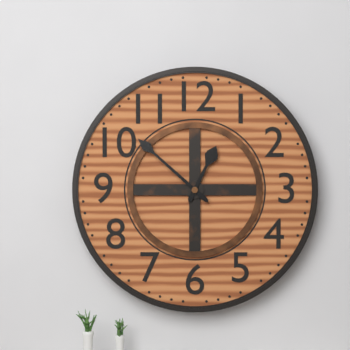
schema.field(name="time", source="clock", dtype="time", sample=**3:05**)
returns **12:52**
